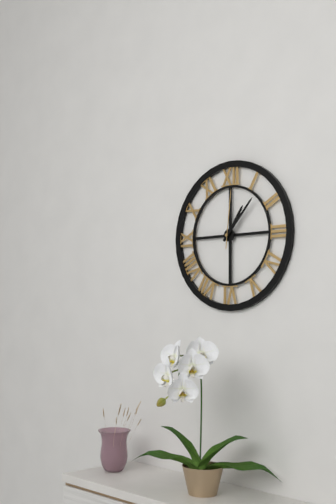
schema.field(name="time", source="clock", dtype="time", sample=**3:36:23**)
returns **1:07:01**
